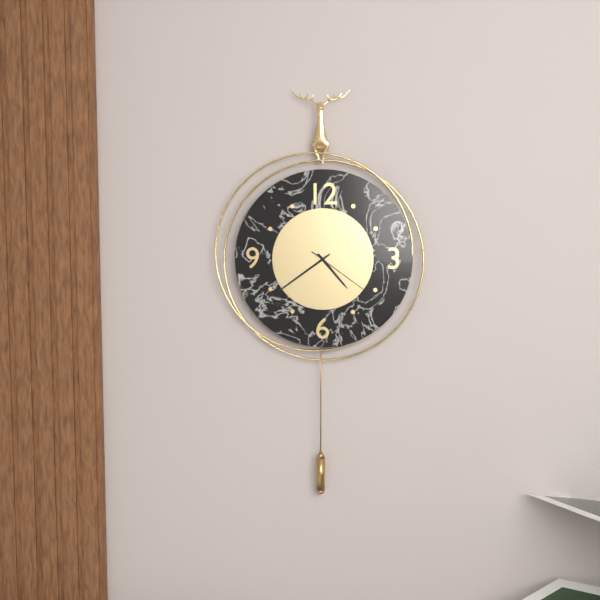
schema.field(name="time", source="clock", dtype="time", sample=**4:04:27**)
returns **4:39:21**
